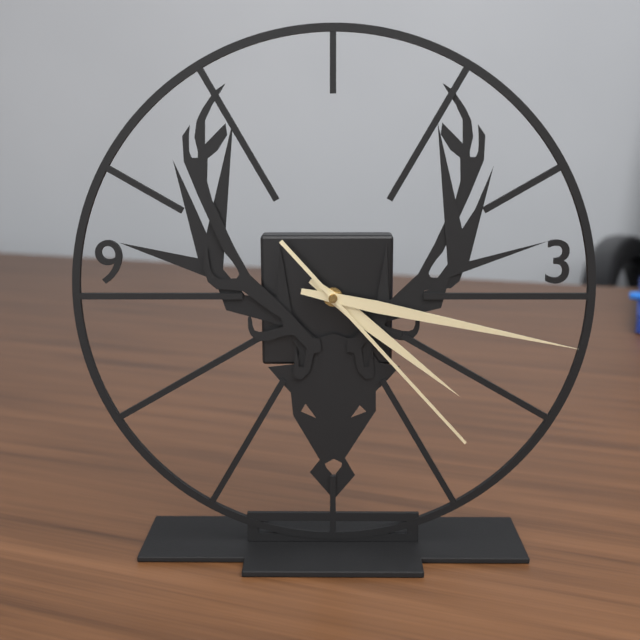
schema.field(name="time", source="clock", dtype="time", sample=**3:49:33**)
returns **4:17:23**
